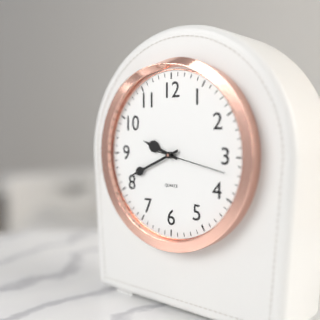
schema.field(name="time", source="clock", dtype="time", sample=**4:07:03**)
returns **9:41:17**
